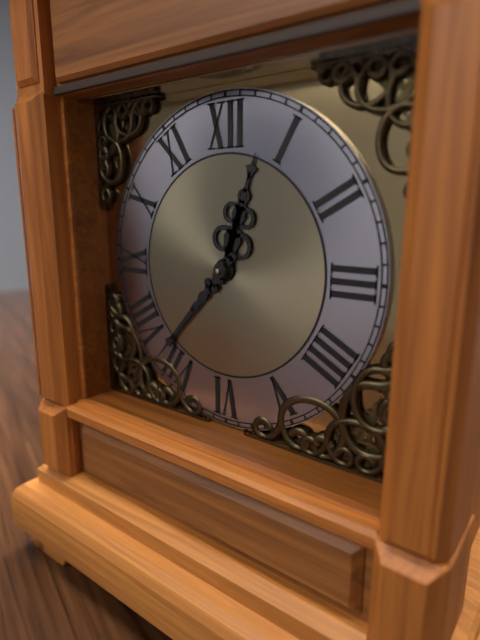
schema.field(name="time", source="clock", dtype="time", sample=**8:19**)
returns **12:37**
